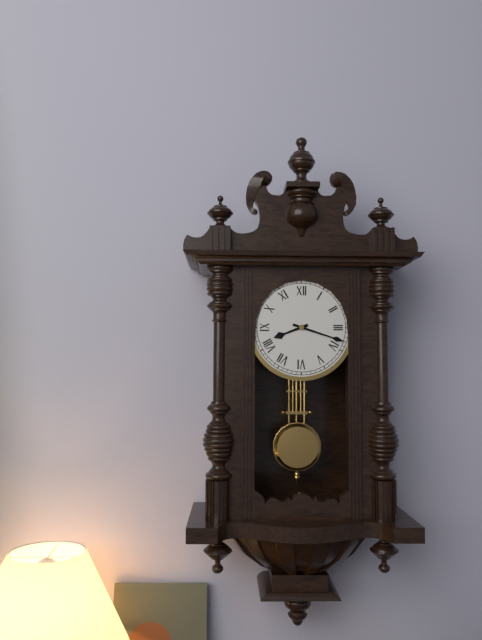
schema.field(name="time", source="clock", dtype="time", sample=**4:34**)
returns **8:18**
